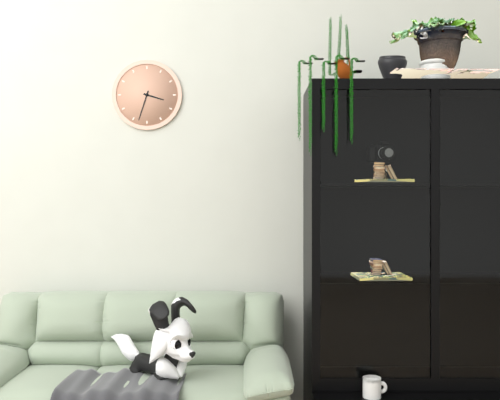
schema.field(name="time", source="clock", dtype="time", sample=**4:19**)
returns **3:33**
